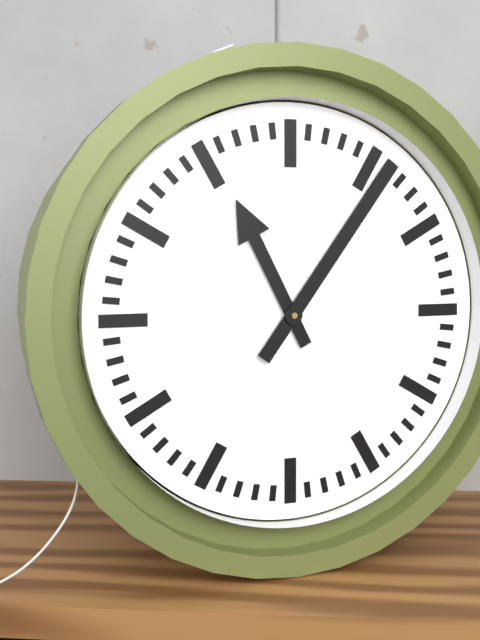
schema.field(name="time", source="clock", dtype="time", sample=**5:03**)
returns **11:06**
